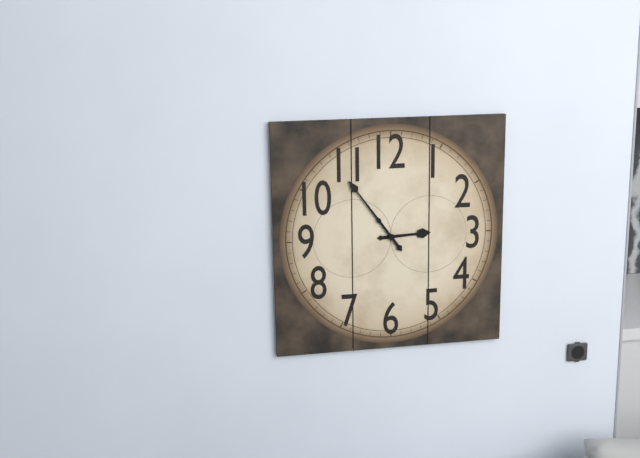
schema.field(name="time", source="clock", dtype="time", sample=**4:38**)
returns **2:54**
